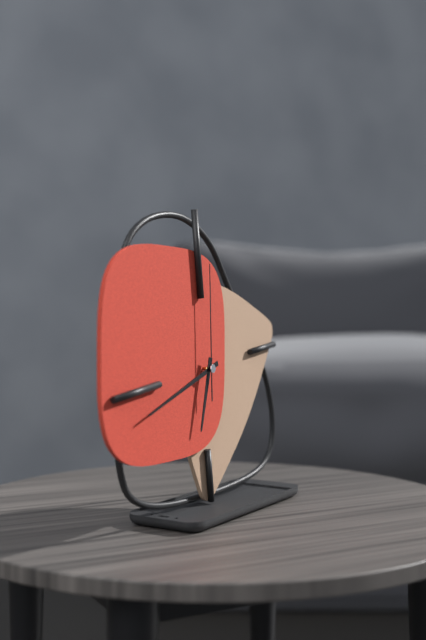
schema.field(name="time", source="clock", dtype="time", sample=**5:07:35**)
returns **6:43:01**
